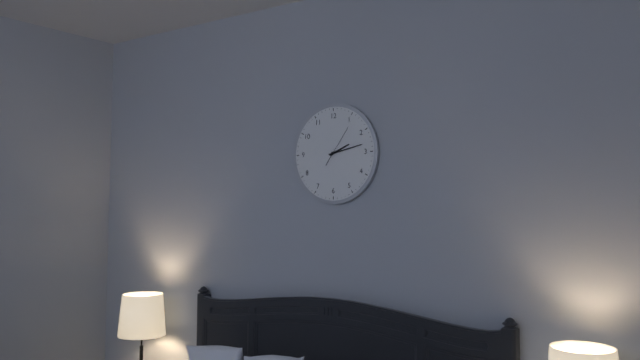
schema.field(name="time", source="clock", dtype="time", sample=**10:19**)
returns **2:13**
